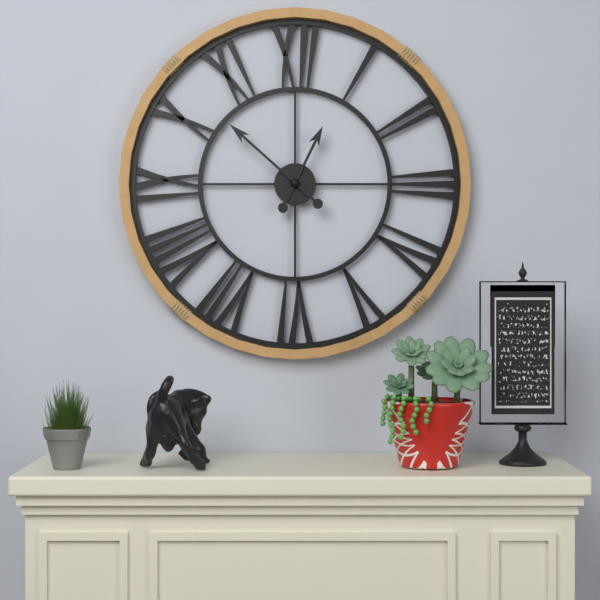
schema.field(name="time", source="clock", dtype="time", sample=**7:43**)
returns **12:52**
